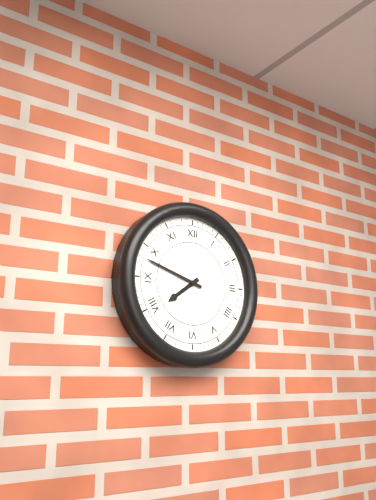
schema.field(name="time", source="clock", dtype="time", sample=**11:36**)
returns **7:48**
